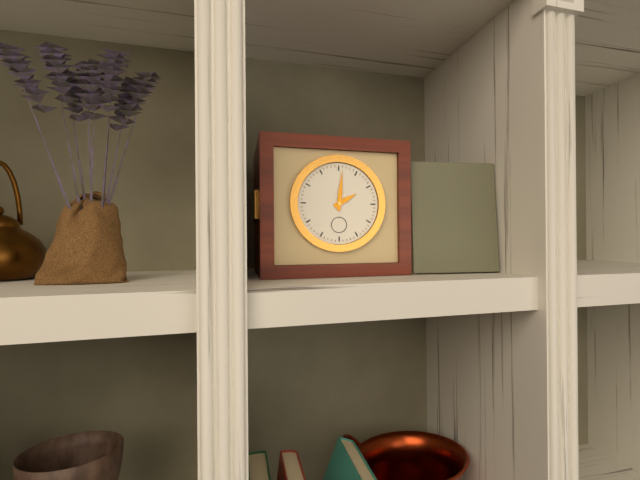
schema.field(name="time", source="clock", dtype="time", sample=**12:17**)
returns **2:01**
